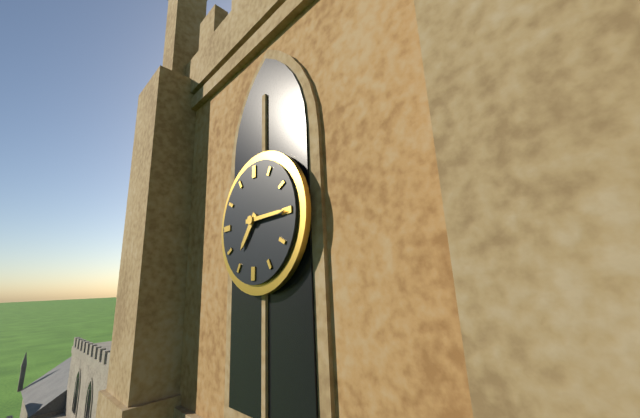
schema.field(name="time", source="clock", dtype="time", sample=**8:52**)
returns **7:15**
